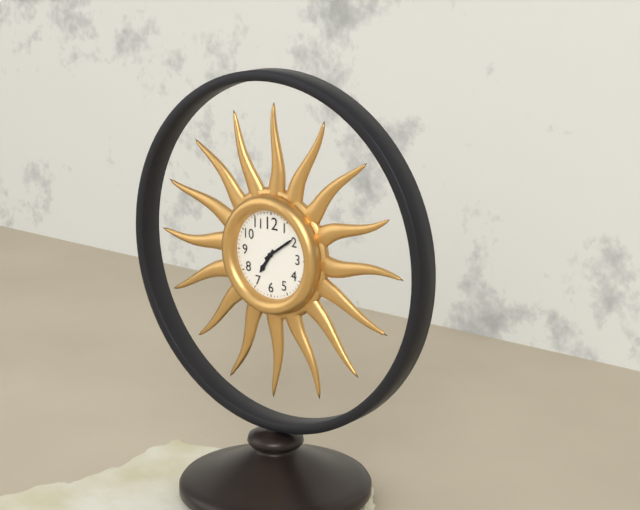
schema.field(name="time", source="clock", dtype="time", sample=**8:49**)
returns **7:09**
